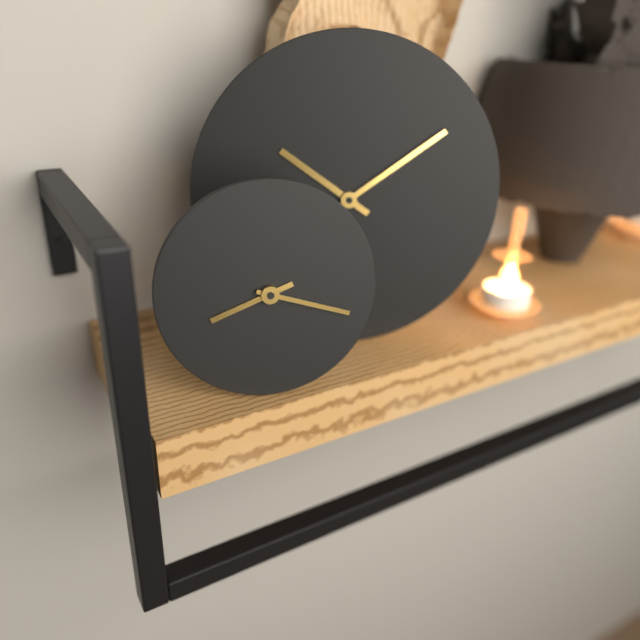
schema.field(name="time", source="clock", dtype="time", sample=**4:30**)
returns **8:18**
